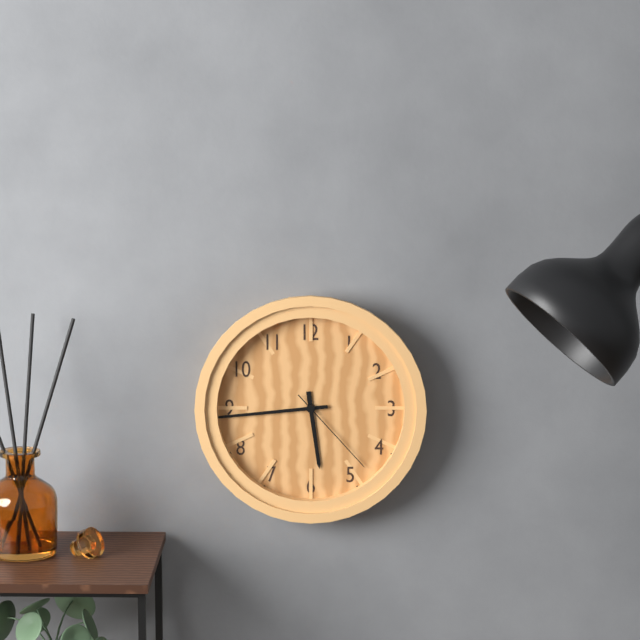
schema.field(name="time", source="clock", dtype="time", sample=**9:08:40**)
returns **5:44:23**
